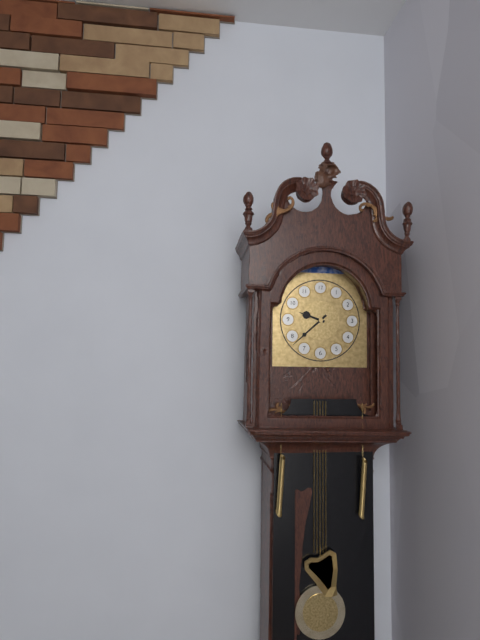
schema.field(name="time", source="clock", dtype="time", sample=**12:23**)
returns **9:38**
